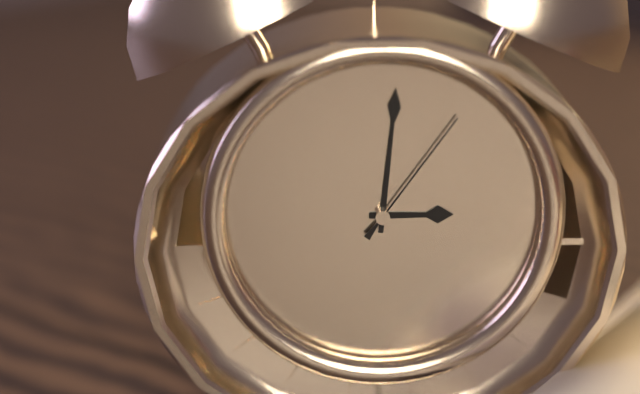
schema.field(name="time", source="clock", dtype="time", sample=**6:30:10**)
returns **3:01:06**
